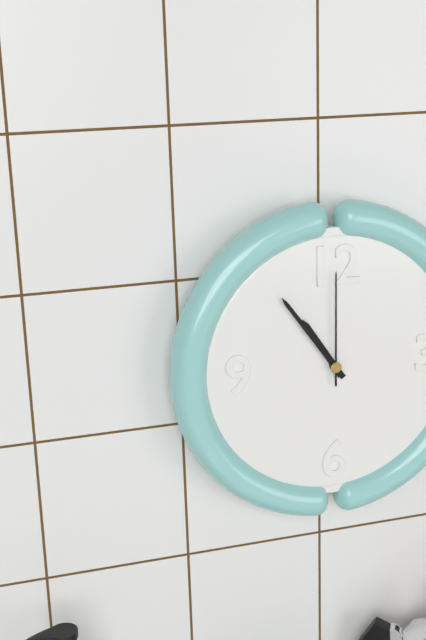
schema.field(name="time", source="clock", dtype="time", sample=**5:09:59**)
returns **10:54:00**
